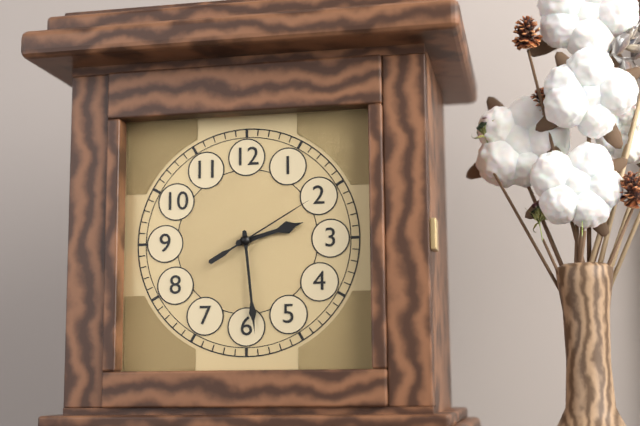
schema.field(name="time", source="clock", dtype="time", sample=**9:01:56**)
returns **2:29:10**
